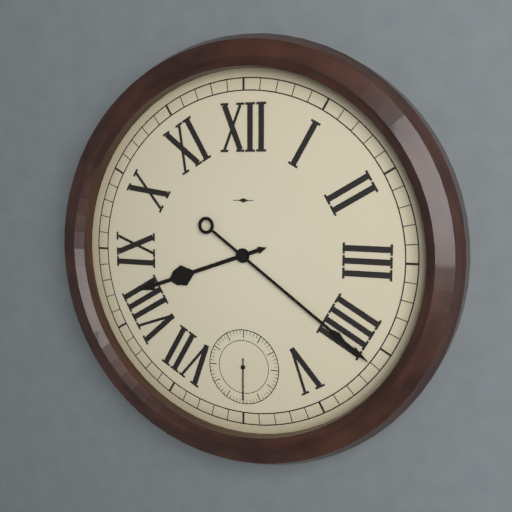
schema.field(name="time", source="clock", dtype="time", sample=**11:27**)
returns **8:21**
